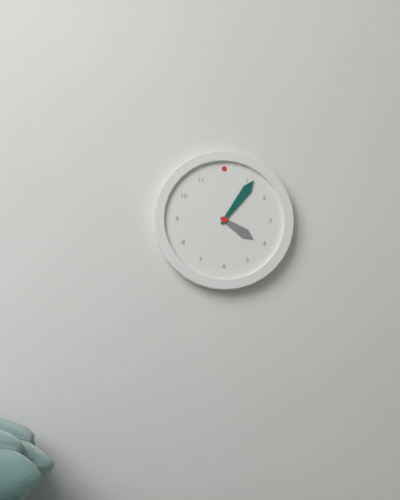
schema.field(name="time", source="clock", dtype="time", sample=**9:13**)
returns **4:06**
